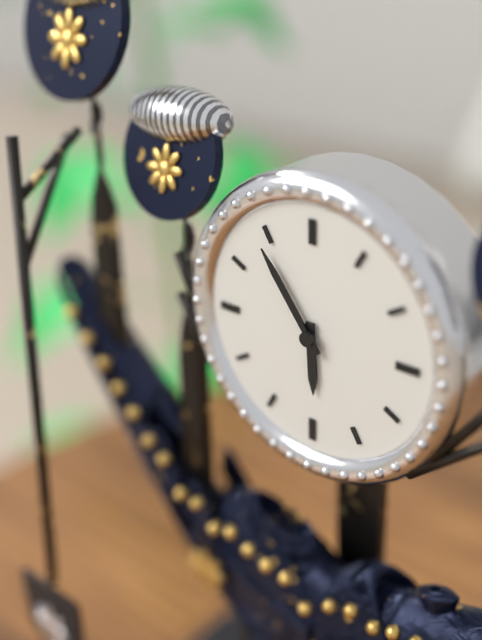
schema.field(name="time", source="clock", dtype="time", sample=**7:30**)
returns **5:54**
